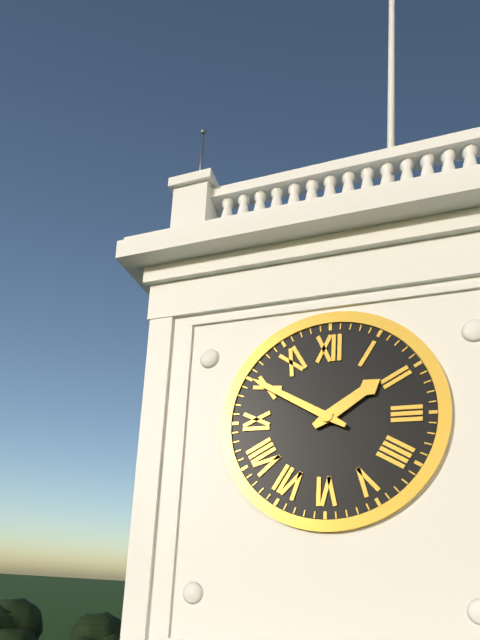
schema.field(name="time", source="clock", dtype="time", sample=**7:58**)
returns **1:50**
